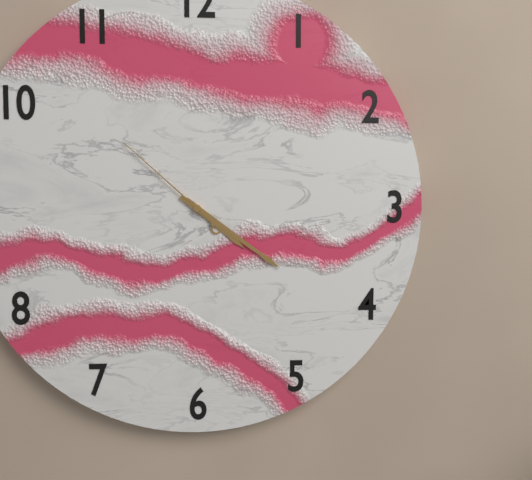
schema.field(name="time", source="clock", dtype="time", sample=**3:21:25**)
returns **4:21:52**
